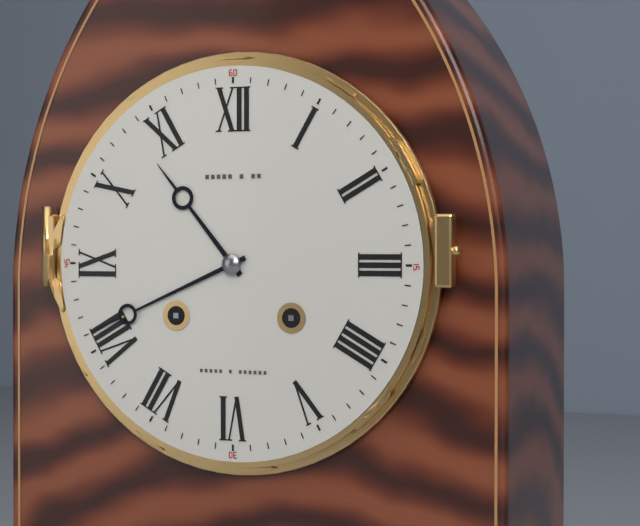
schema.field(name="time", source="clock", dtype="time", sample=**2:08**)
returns **10:41**
